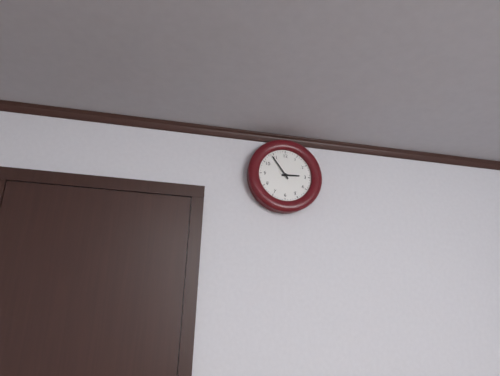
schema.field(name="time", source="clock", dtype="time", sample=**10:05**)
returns **2:54**
